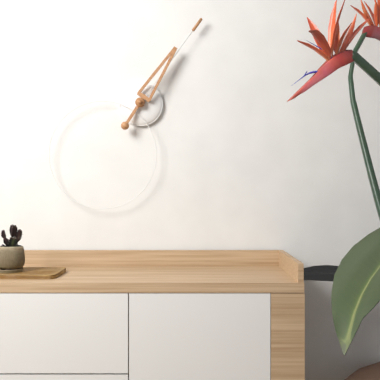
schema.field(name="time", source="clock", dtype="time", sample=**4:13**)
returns **1:06**
